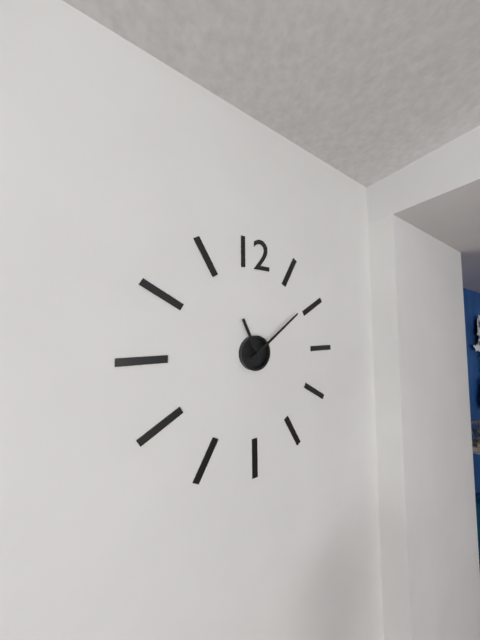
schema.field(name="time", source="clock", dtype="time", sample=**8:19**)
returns **11:09**
